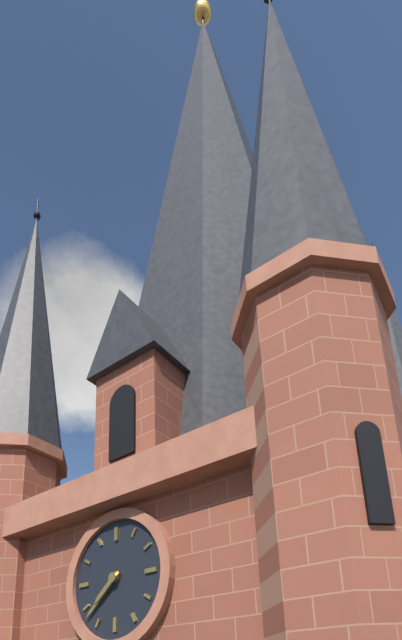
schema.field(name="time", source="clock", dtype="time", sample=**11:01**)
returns **7:38**
